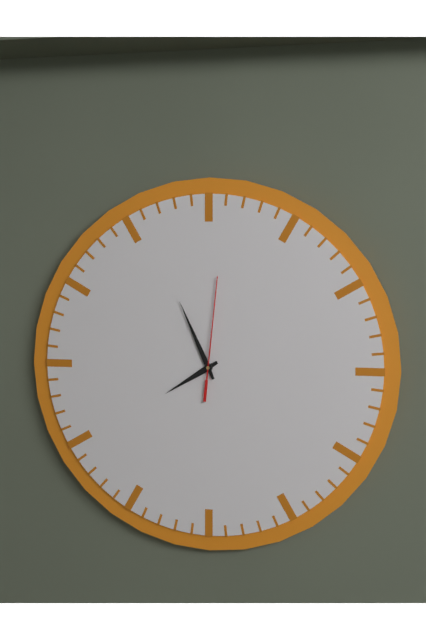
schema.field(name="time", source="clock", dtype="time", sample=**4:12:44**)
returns **7:56:01**
